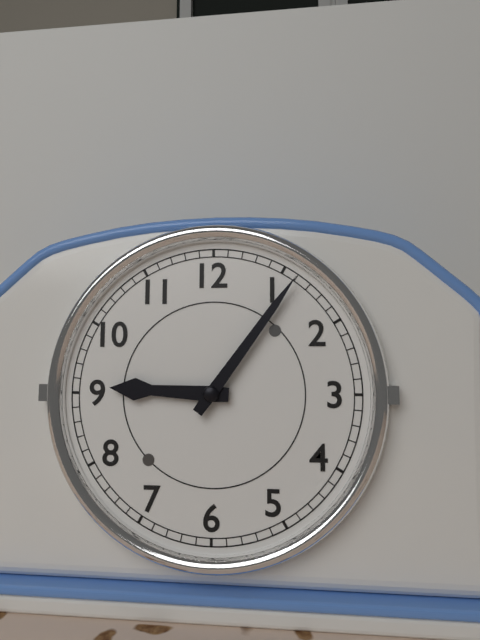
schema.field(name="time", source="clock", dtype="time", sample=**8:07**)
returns **9:06**
